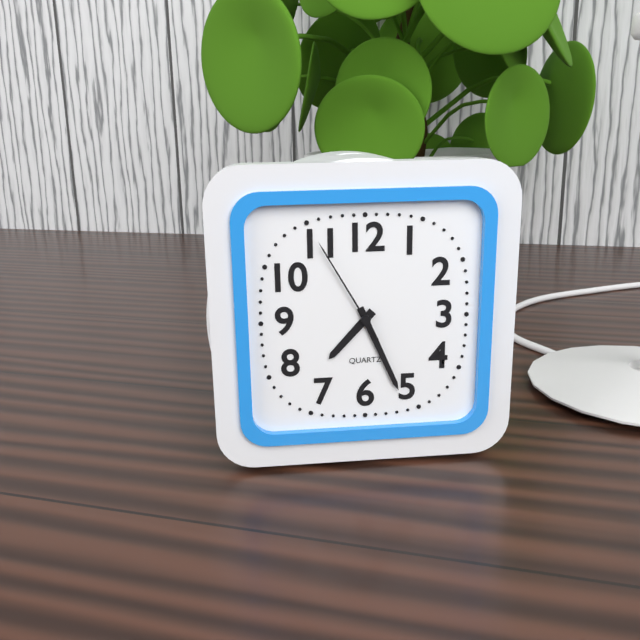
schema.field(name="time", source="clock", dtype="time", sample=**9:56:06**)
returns **7:26:55**
